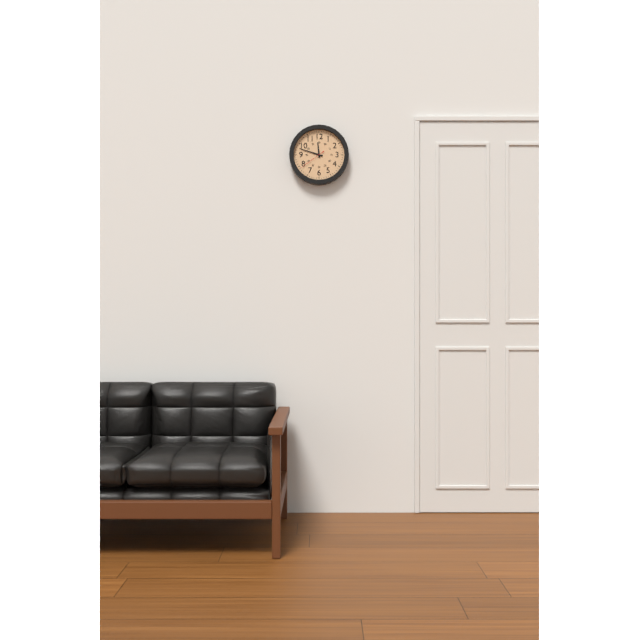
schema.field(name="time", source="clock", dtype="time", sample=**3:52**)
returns **11:48**
